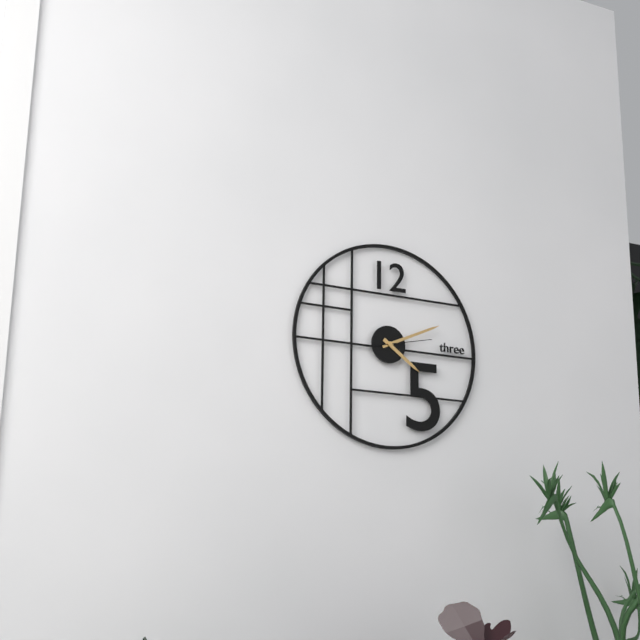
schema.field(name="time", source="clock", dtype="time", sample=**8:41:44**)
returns **4:11:13**
